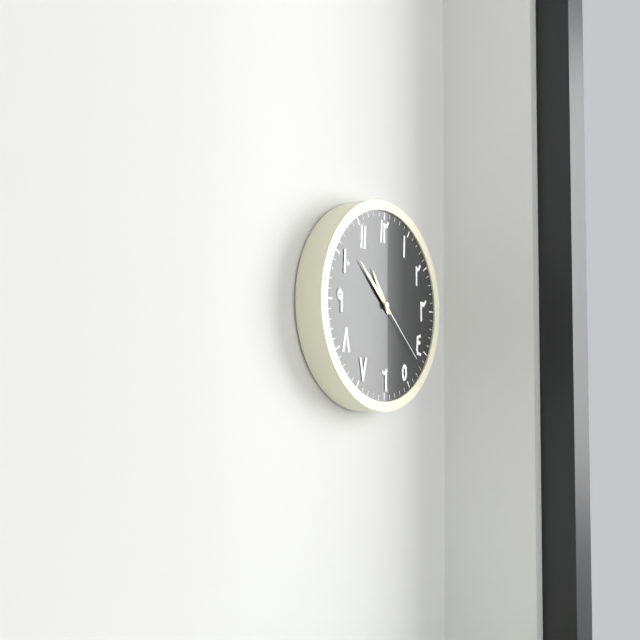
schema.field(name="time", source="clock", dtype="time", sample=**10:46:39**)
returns **10:52:22**
